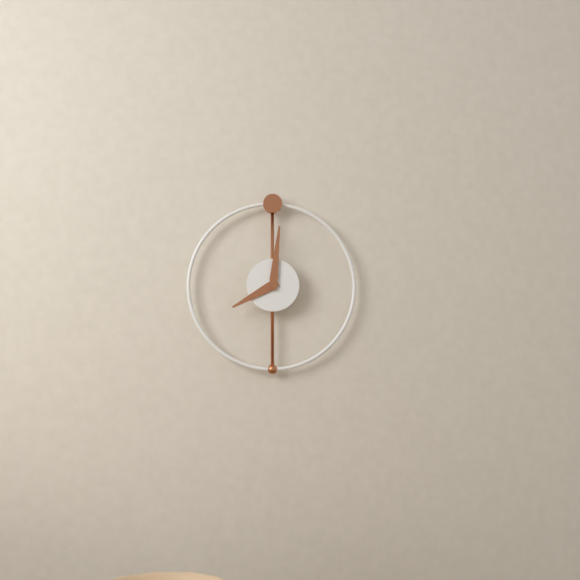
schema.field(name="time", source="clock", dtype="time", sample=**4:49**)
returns **8:01**
